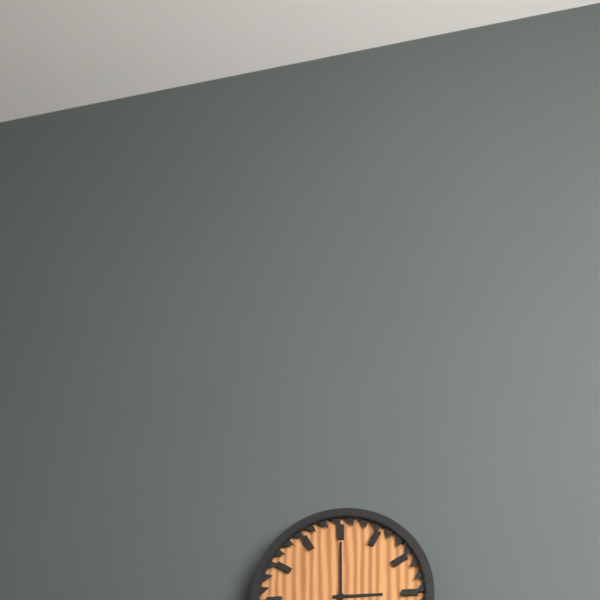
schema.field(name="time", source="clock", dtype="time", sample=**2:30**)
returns **3:00**
